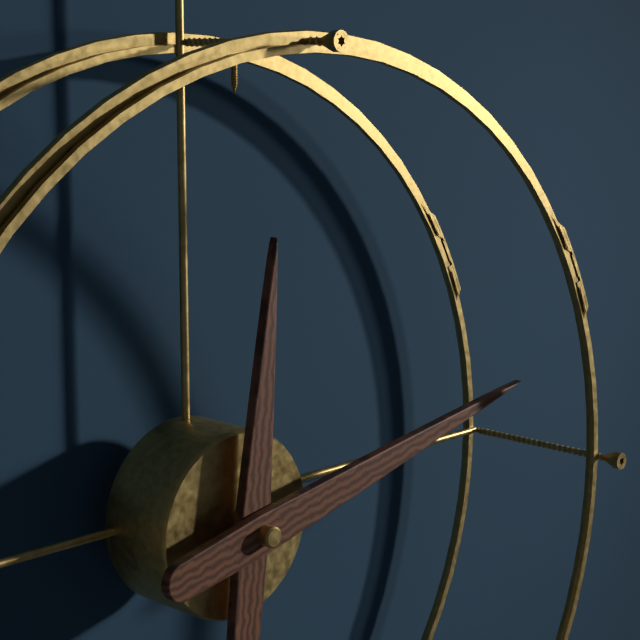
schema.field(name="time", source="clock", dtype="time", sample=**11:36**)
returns **12:13**
